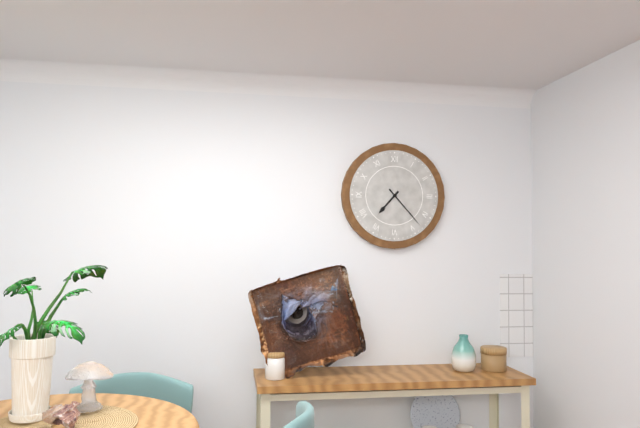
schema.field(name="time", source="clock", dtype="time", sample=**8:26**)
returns **7:23**
